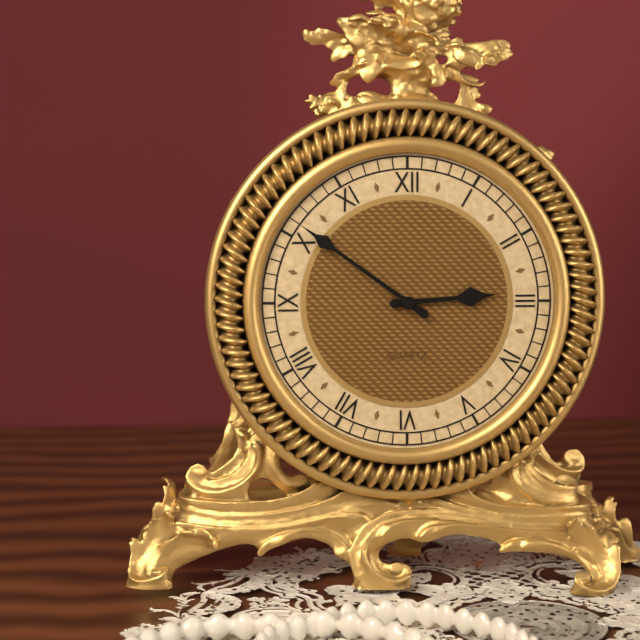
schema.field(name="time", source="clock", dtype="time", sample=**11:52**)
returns **2:51**
